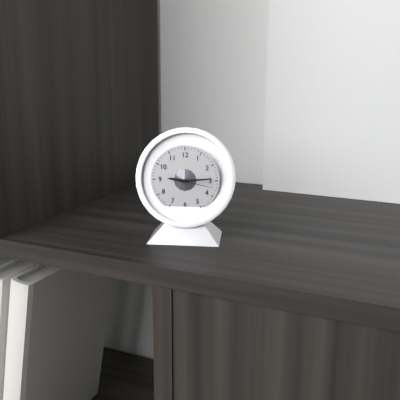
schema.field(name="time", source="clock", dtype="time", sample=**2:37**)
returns **9:14**
